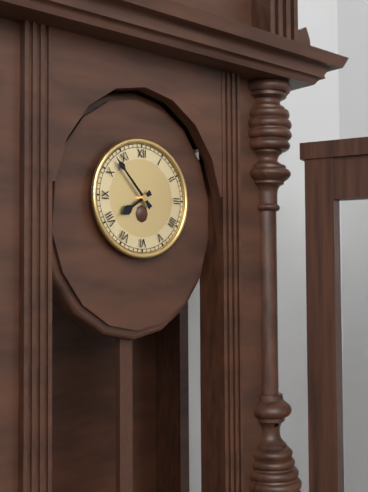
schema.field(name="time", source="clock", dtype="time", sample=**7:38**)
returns **7:53**
